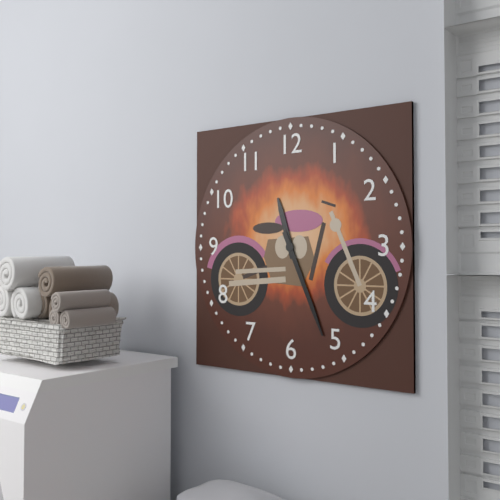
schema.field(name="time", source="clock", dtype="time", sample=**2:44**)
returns **11:26**
